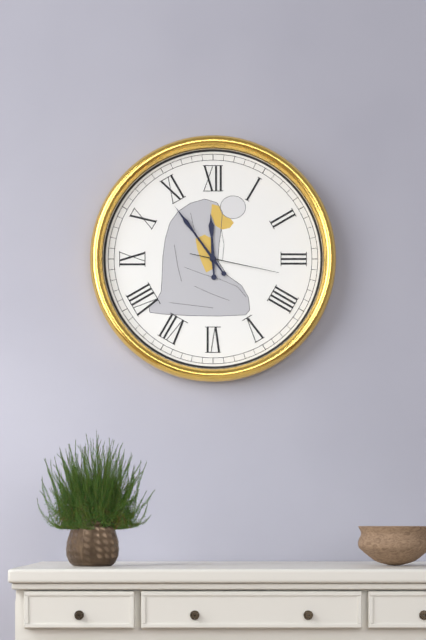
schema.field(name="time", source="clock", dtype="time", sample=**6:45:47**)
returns **11:54:17**
